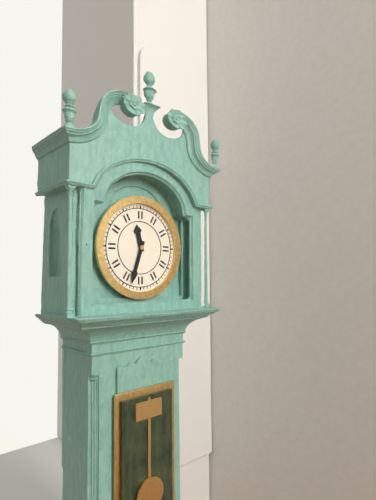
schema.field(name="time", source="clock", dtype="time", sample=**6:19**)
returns **11:33**
